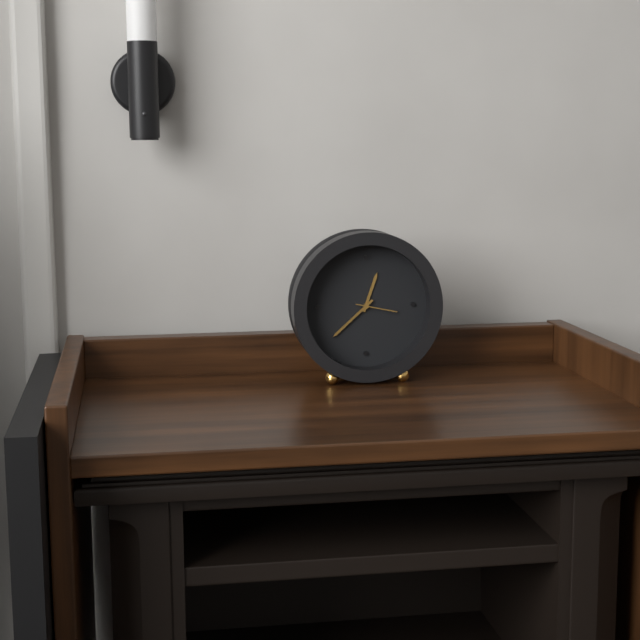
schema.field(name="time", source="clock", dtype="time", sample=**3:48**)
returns **12:38**
